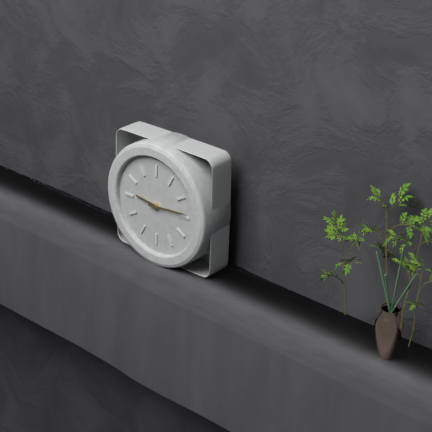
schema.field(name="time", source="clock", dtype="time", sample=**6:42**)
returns **9:14**
